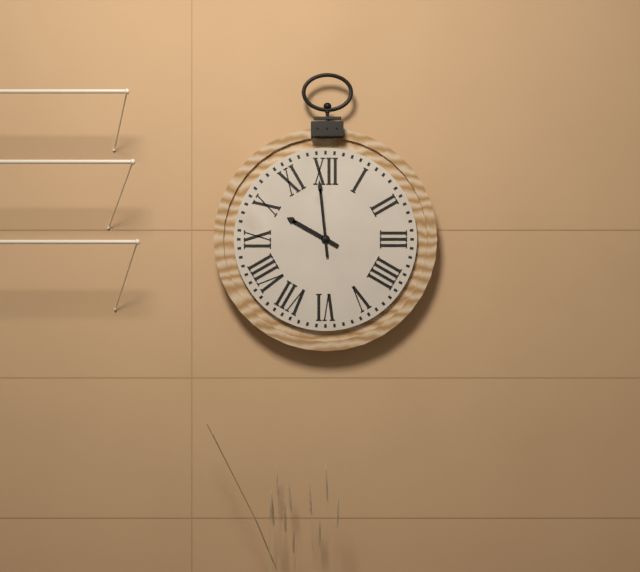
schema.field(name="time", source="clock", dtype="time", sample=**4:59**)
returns **9:59**
